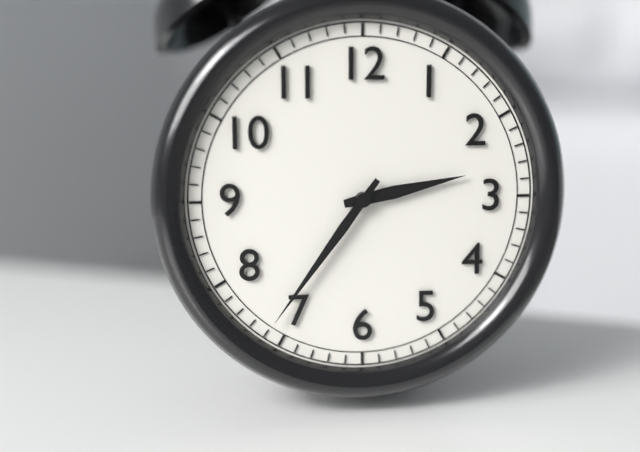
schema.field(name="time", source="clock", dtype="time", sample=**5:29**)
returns **2:36**
